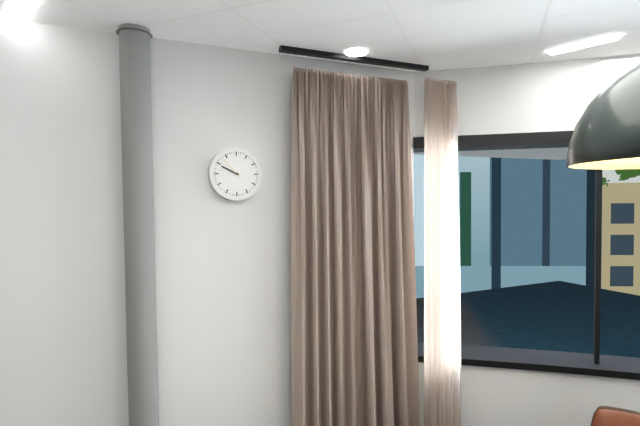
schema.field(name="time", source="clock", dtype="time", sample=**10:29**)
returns **9:53**
